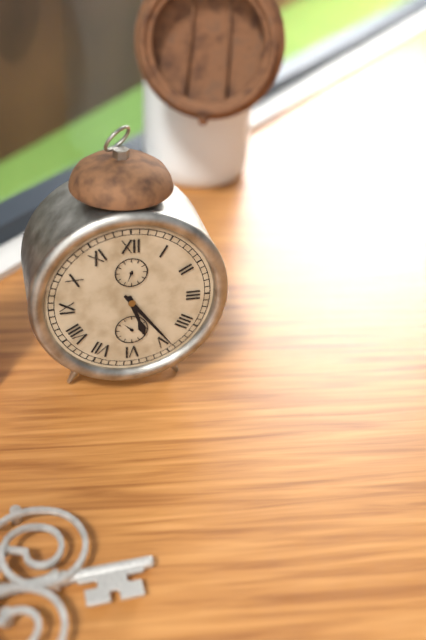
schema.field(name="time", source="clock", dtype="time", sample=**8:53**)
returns **5:24**
